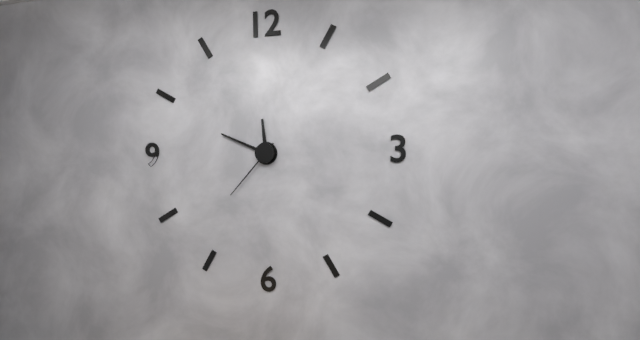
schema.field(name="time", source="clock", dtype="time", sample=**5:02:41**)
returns **11:49:37**
